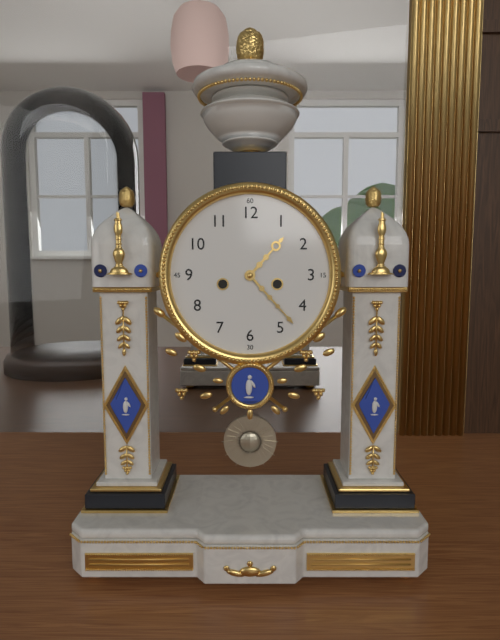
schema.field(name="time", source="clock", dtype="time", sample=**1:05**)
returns **1:23**
